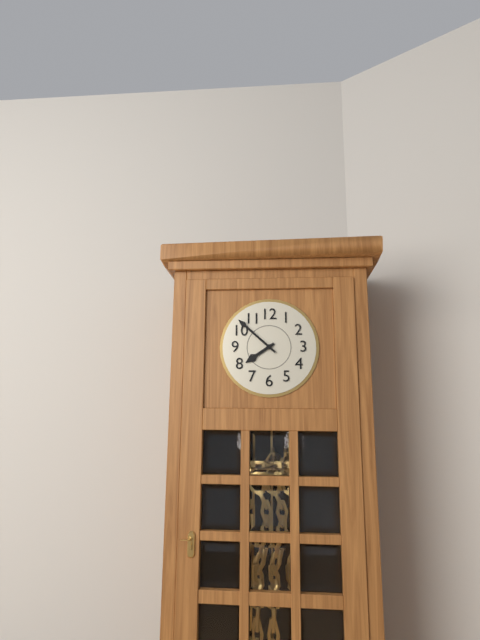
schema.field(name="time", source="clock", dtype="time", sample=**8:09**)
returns **7:52**
